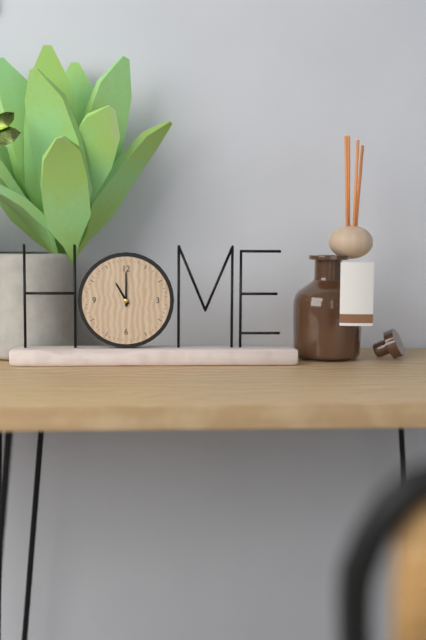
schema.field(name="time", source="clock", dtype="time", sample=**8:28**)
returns **11:00**
